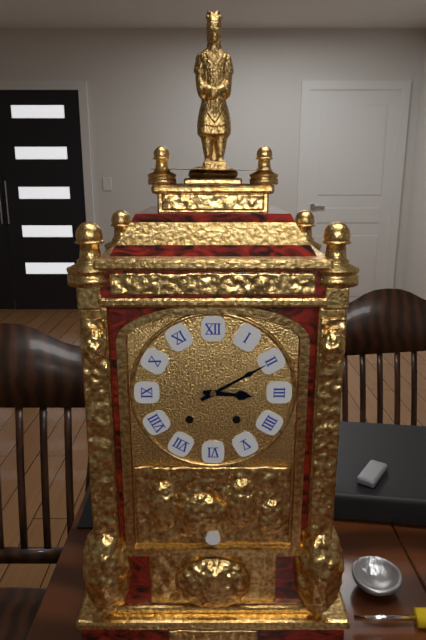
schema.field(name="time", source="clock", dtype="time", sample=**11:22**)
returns **3:10**
